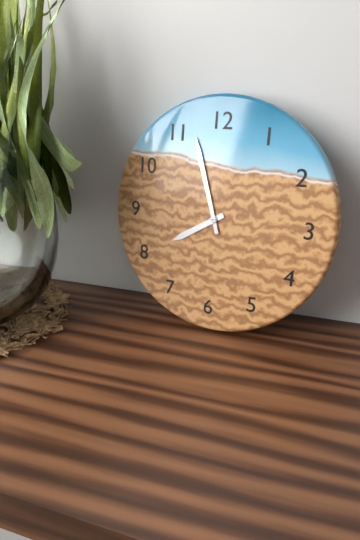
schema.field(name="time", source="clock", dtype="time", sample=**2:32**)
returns **7:57**
